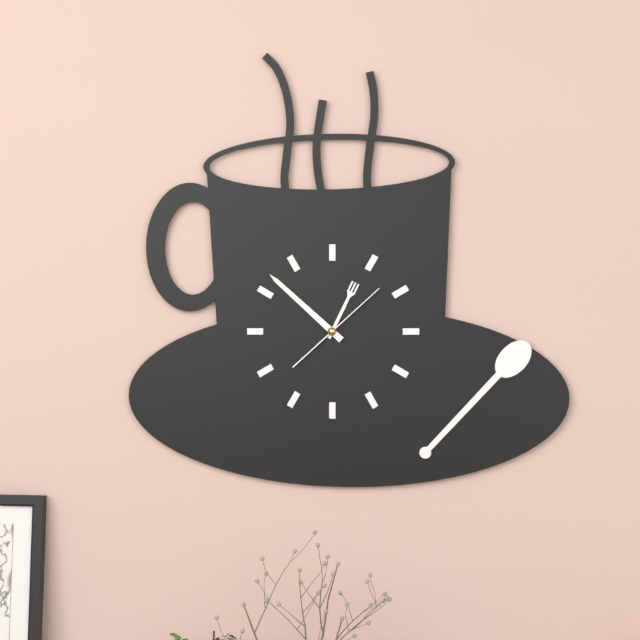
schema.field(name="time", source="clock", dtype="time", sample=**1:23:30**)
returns **12:52:08**
